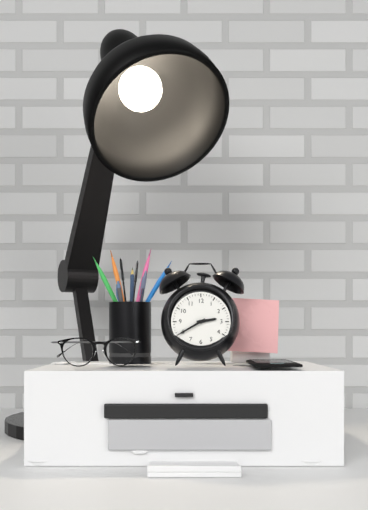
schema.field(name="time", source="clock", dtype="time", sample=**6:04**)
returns **2:40**
